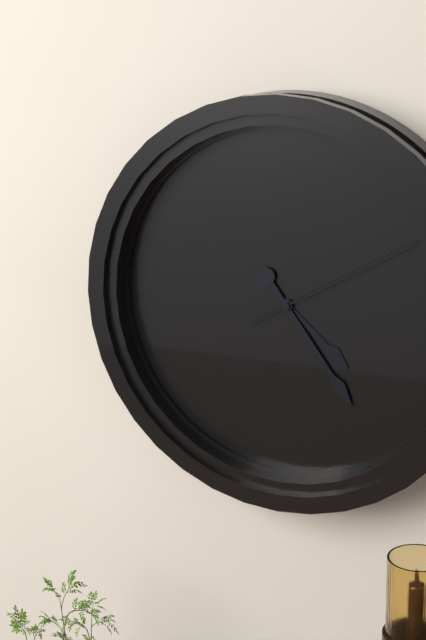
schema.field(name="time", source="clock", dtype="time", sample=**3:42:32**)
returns **4:24:10**
